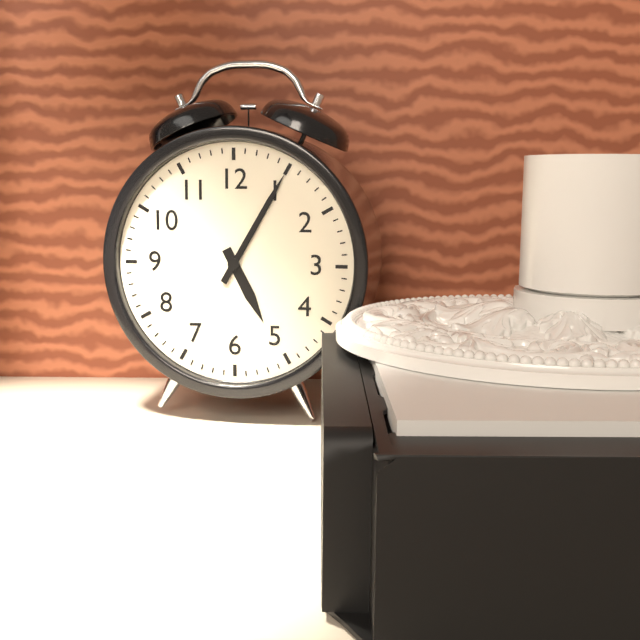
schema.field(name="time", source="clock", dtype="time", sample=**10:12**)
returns **5:05**
